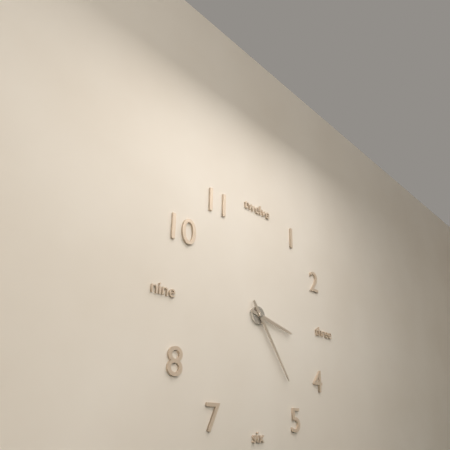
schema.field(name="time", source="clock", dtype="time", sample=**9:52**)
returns **3:24**
